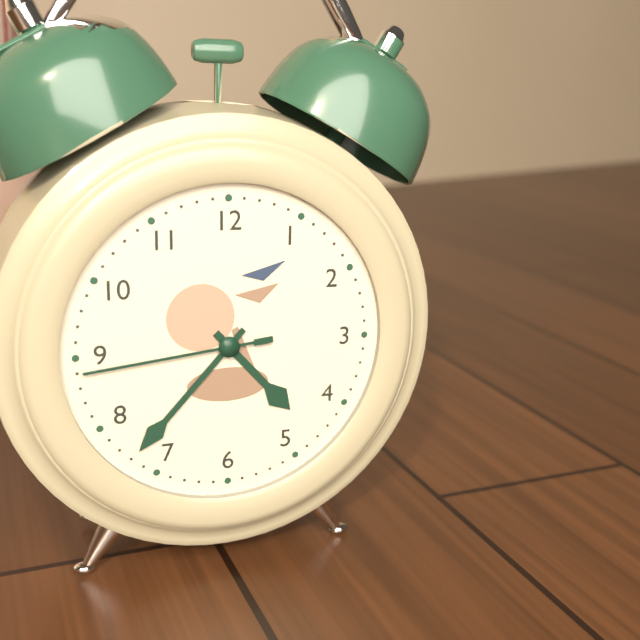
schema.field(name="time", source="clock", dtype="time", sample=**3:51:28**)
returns **4:37:44**
